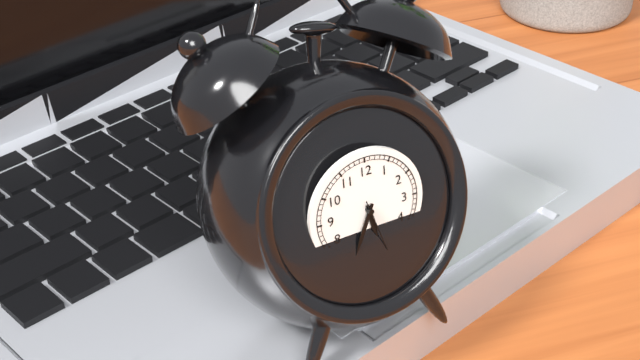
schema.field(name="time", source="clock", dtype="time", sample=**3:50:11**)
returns **5:34:27**
